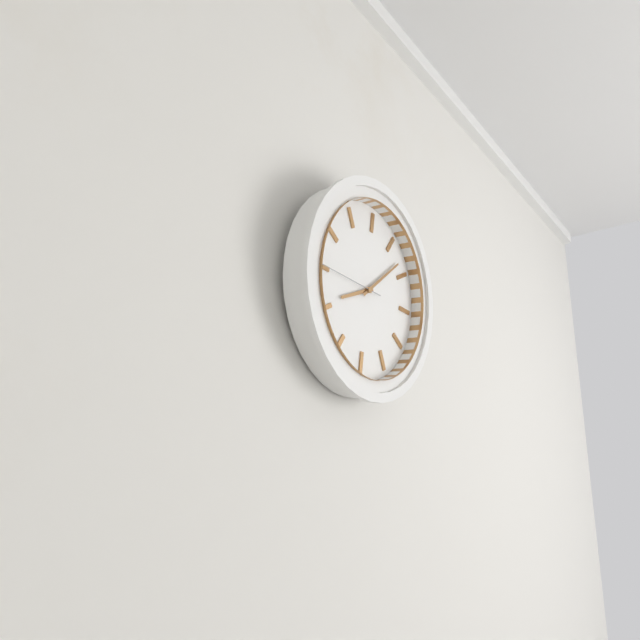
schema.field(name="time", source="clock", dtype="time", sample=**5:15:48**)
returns **8:08:45**
